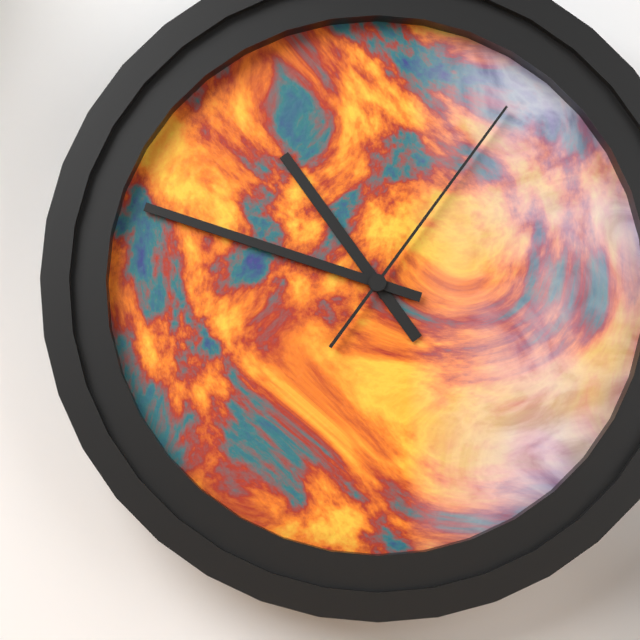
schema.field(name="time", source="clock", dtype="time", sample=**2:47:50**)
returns **10:48:06**
